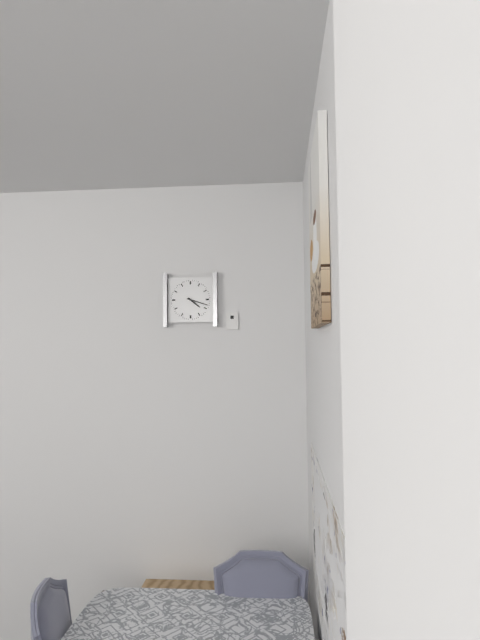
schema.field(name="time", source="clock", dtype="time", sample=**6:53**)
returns **4:18**
